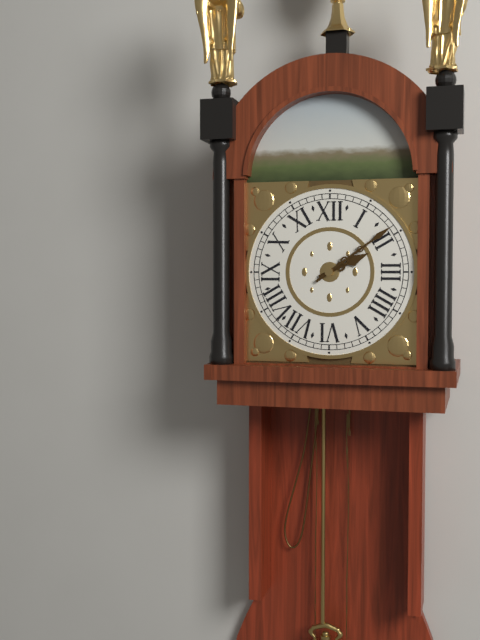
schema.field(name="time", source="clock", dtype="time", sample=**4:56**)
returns **2:09**
